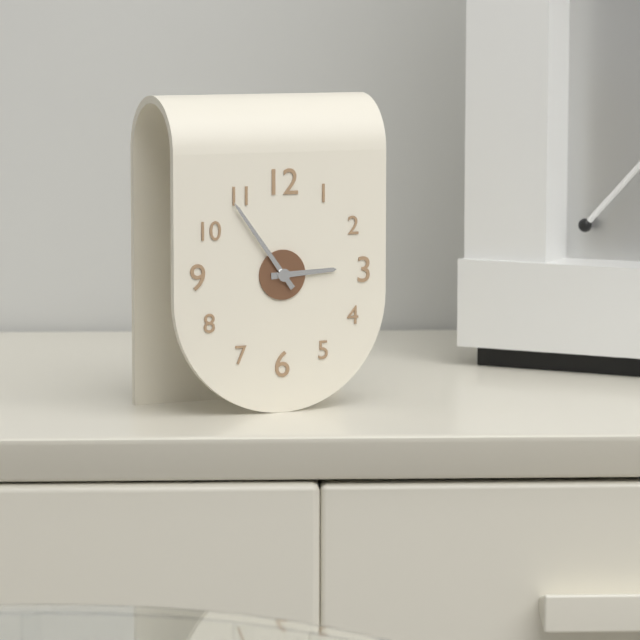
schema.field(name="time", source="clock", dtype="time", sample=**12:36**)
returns **2:54**
